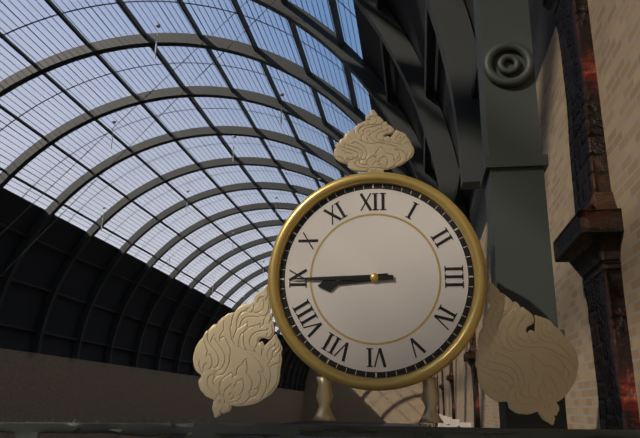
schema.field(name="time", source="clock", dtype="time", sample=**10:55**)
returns **8:45**
